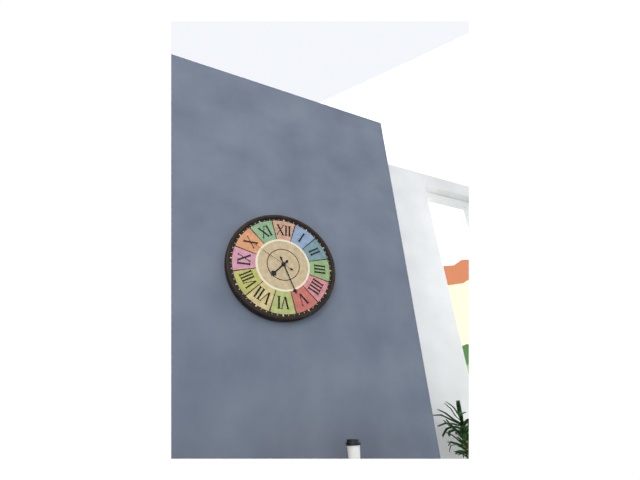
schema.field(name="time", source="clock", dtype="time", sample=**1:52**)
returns **7:26**
